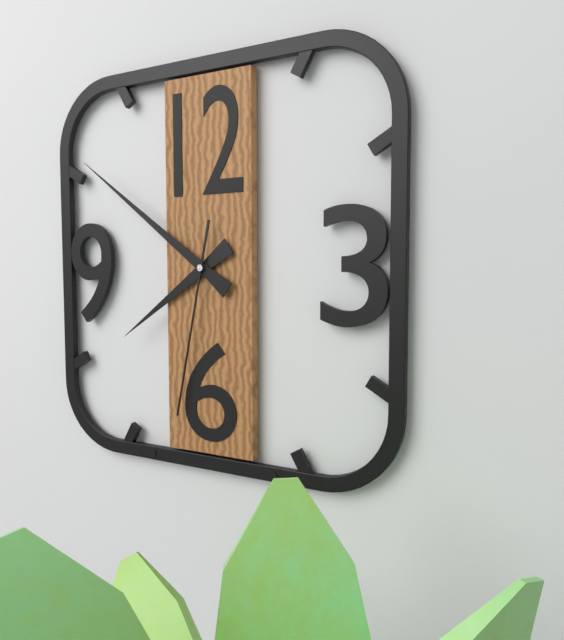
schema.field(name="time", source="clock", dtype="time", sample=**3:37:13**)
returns **7:51:32**
